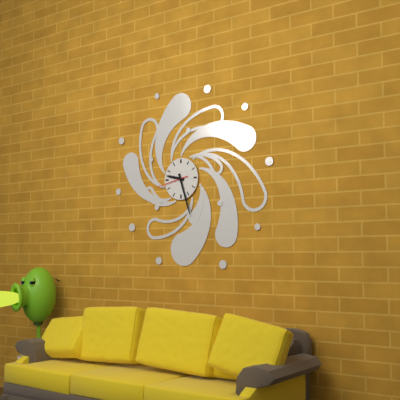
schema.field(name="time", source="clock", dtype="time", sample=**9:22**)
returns **9:27**
